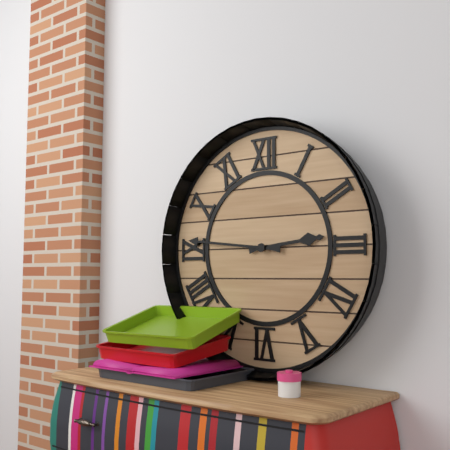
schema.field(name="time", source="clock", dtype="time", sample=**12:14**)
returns **2:46**
